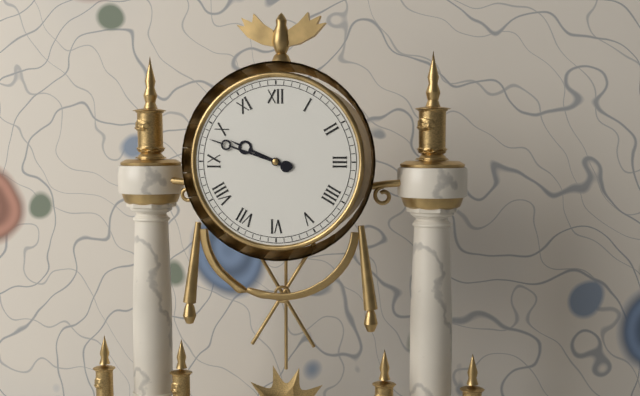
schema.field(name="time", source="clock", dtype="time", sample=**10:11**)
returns **9:48**
